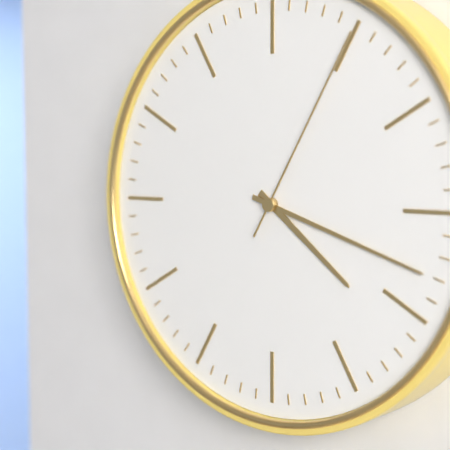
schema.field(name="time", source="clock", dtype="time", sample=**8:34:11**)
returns **4:18:05**
